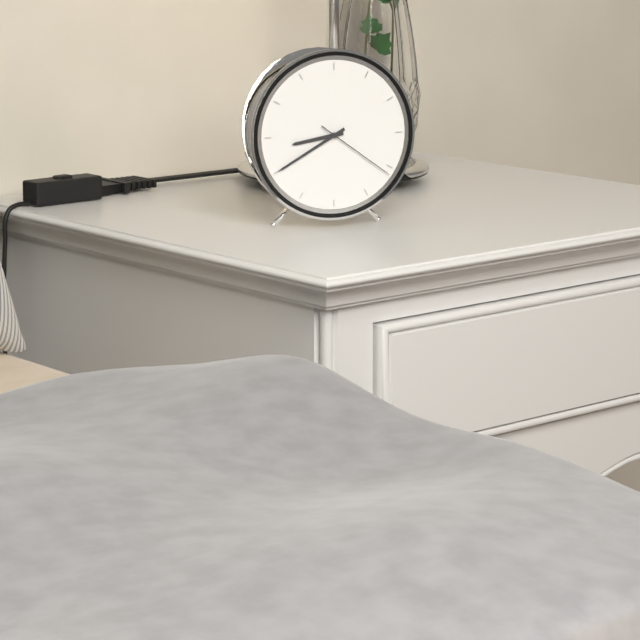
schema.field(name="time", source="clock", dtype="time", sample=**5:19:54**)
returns **8:40:21**
